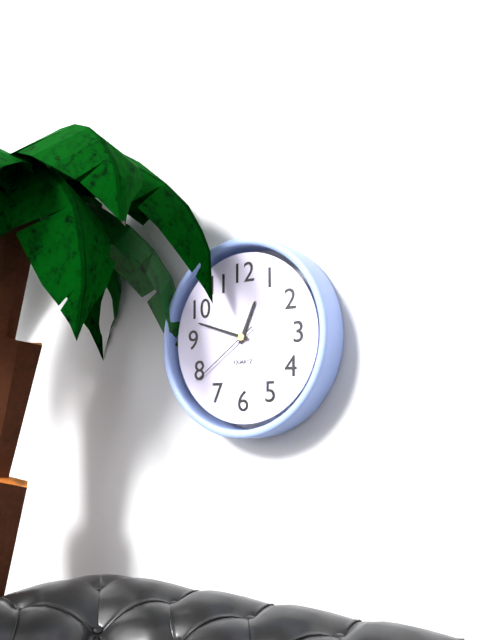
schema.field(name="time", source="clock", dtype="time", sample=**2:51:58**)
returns **12:48:39**
